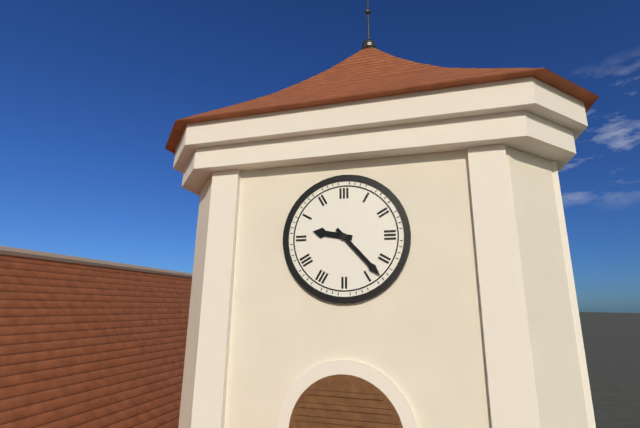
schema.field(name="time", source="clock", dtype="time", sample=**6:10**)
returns **9:23**
